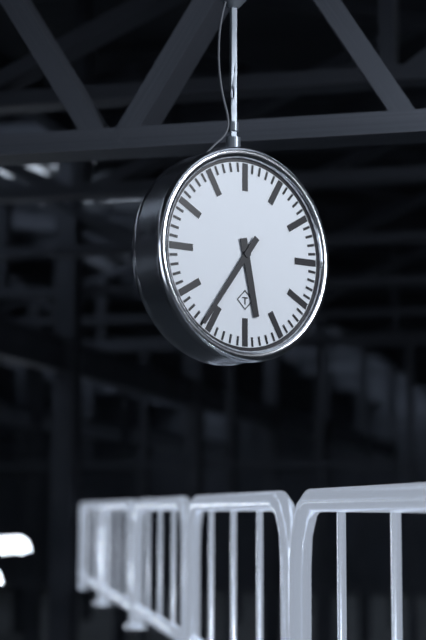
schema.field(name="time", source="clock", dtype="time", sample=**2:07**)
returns **5:36**
